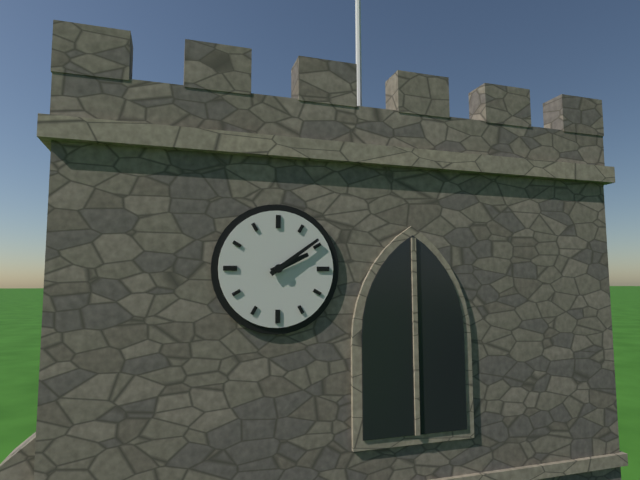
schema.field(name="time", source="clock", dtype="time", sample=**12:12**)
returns **2:09**
